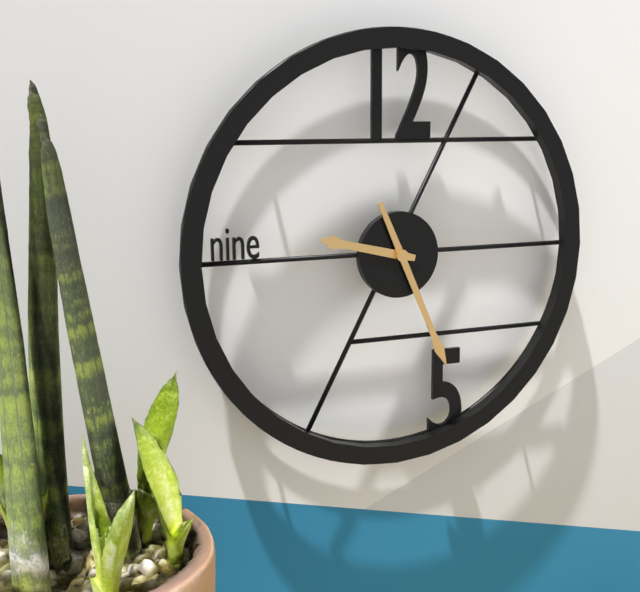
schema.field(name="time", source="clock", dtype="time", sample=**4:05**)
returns **9:26**
